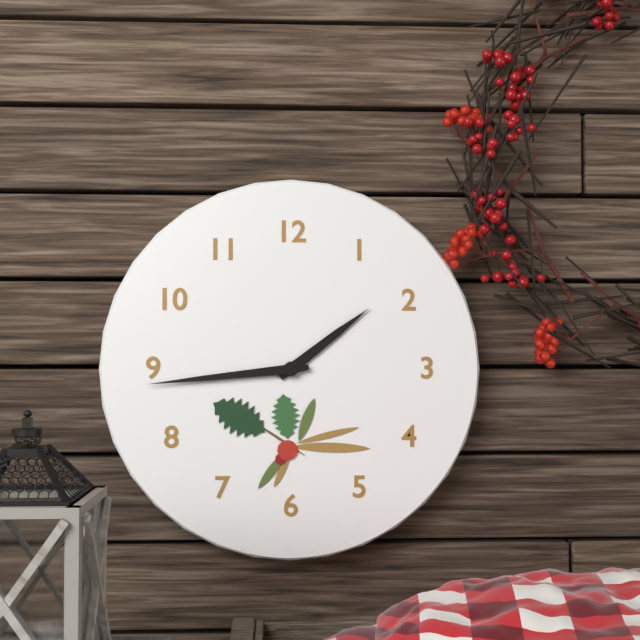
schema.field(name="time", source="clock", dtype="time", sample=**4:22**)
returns **1:44**
